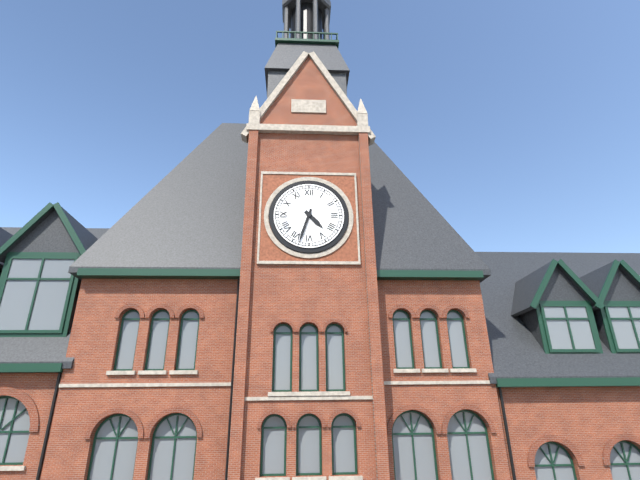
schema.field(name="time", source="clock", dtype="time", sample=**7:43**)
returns **4:33**
